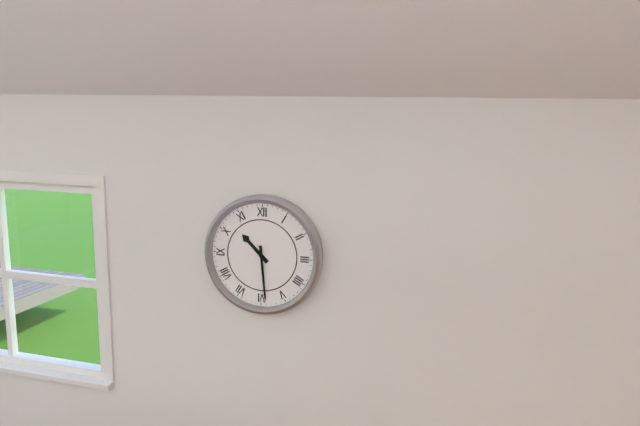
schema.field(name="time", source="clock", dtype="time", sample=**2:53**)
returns **10:29**
